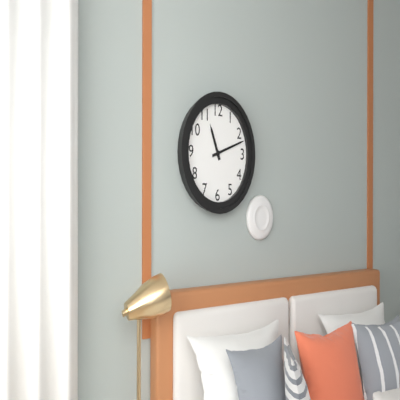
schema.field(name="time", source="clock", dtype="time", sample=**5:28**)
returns **11:12**
